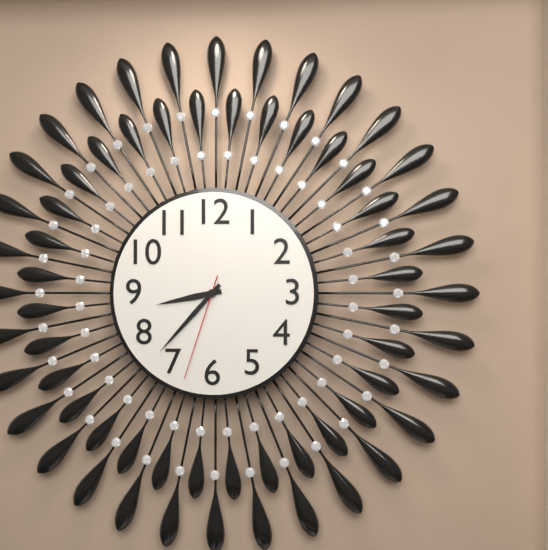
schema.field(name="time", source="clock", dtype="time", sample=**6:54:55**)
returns **8:37:33**
